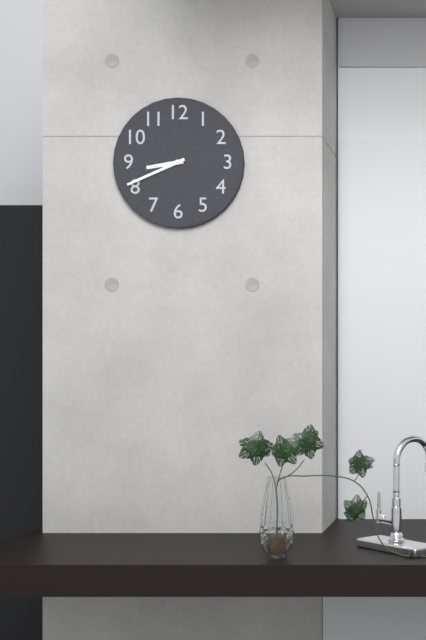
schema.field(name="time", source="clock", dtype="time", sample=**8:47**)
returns **8:41**
